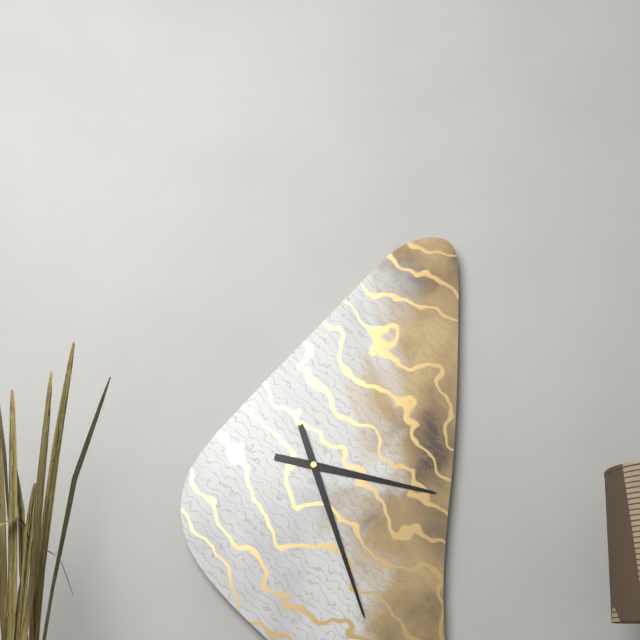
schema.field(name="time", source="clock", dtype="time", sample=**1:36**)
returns **3:27**
